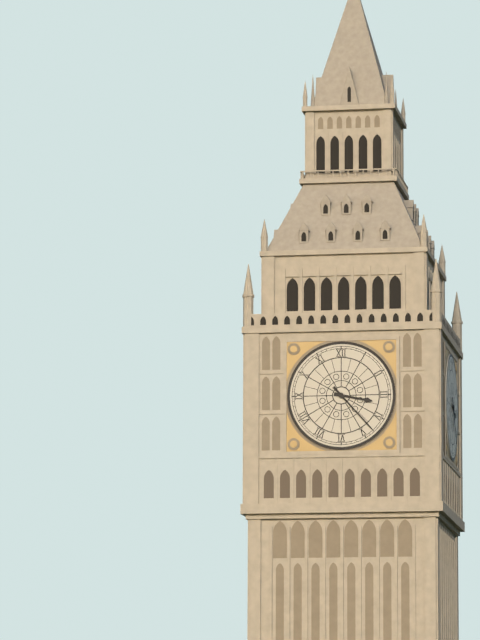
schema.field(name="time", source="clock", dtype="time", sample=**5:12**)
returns **3:23**
